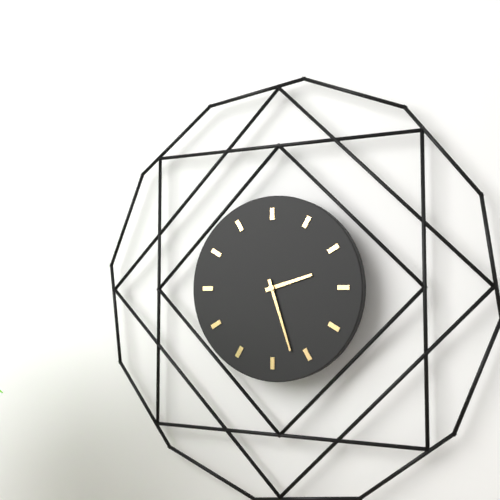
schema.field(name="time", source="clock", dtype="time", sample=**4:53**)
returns **2:27**
